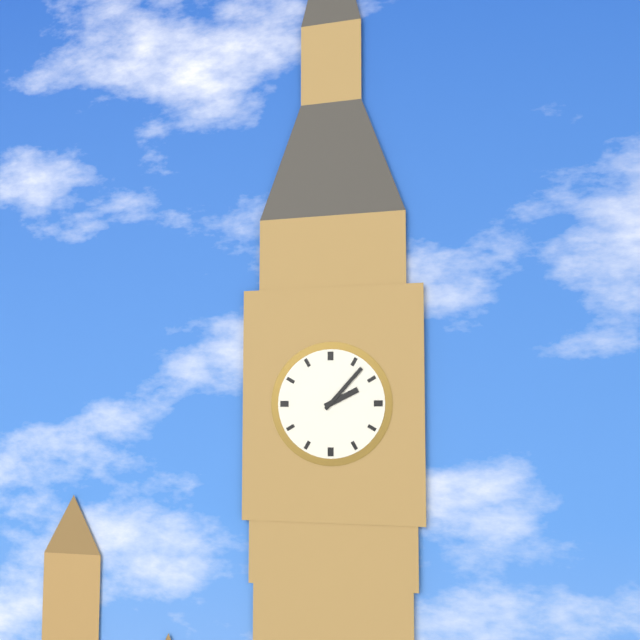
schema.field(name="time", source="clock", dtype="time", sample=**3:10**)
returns **2:07**
